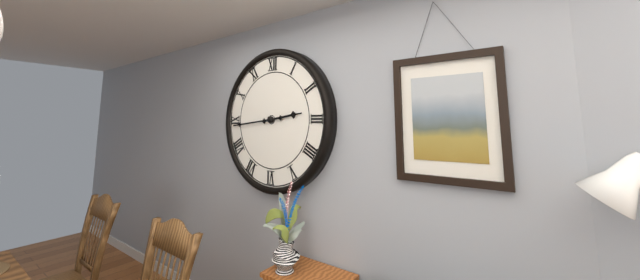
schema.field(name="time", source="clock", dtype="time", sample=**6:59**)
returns **2:44**
